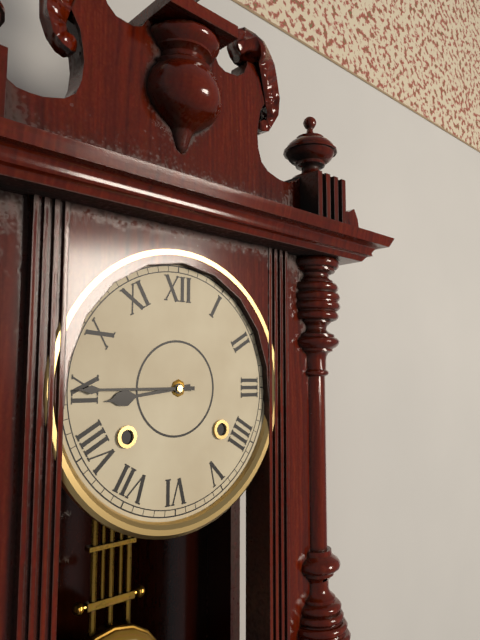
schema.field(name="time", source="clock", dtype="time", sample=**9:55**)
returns **8:45**
